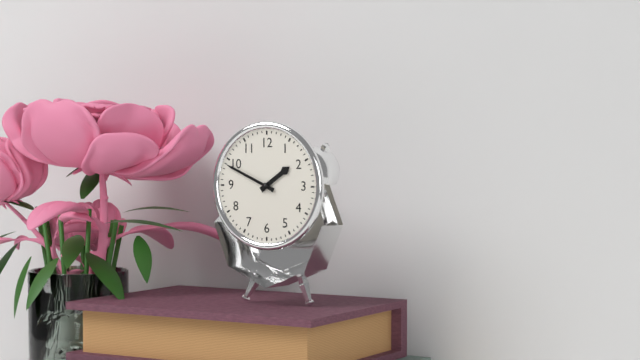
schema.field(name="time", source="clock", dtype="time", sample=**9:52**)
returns **1:49**
